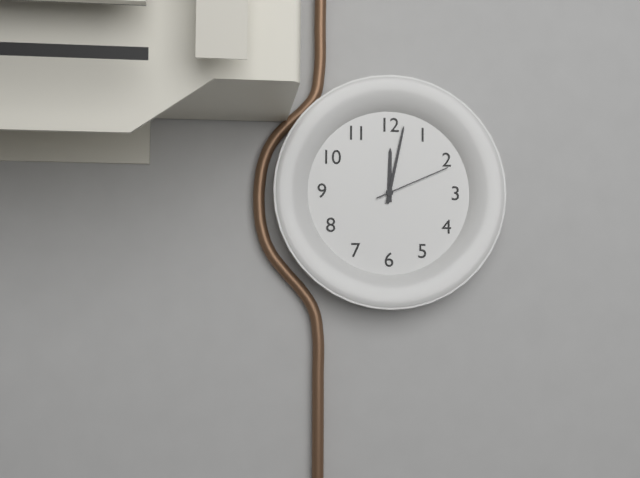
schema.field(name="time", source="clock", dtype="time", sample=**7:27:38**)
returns **12:02:11**
